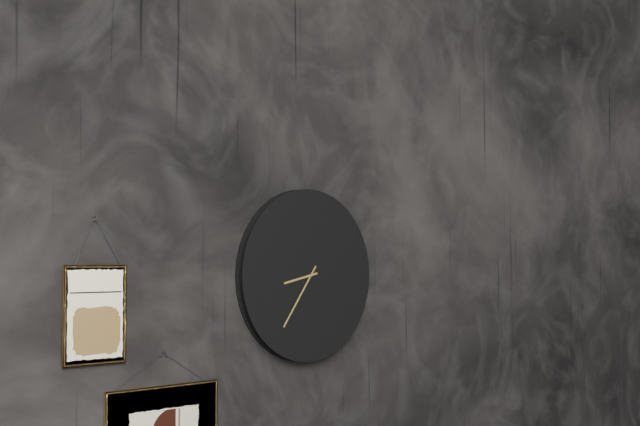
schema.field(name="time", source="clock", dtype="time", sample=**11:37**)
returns **8:36**
